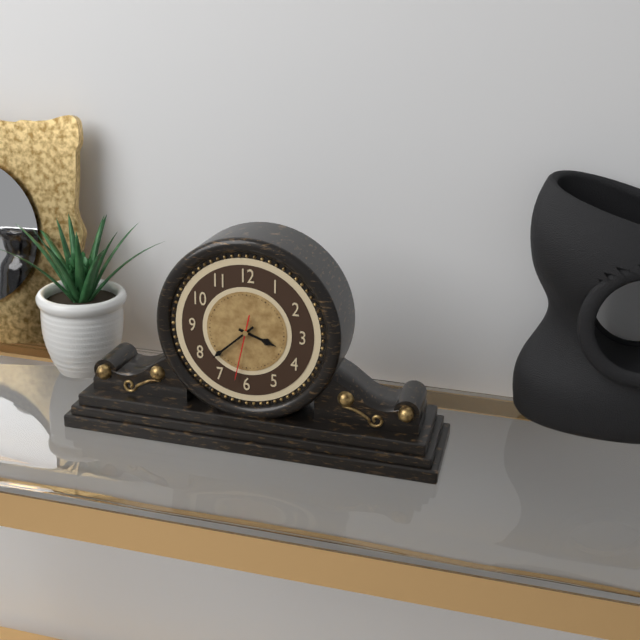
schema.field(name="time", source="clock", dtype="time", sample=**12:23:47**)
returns **3:38:32**
